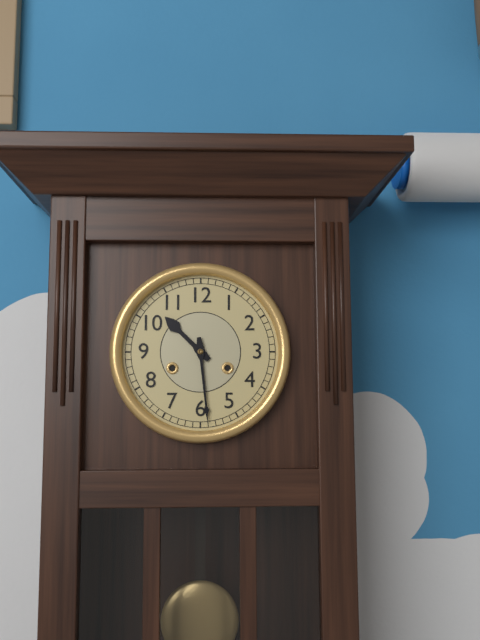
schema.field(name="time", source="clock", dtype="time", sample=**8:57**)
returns **10:29**
